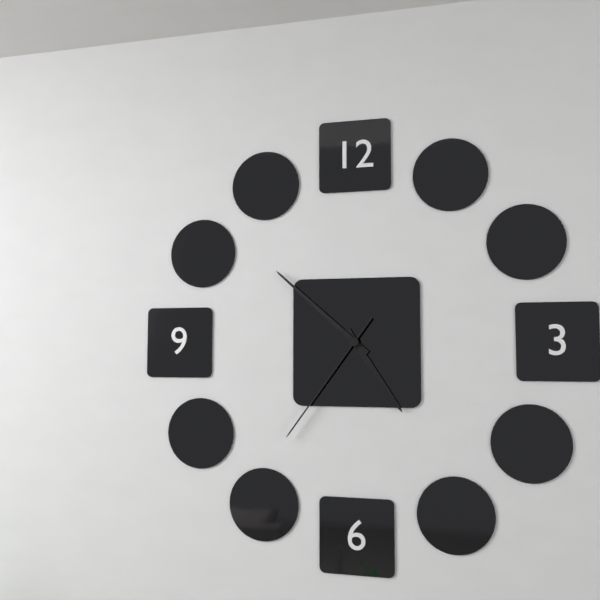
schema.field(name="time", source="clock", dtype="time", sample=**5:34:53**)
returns **4:52:36**
